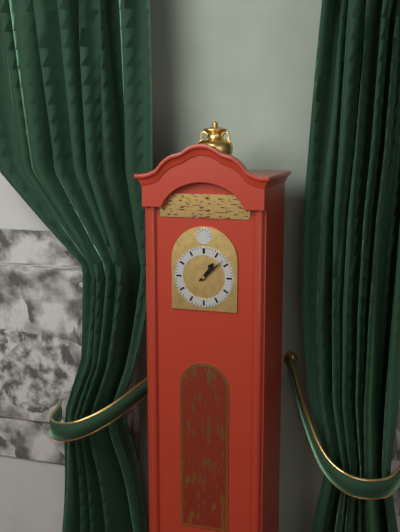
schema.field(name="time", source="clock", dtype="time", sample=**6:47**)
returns **1:08**
